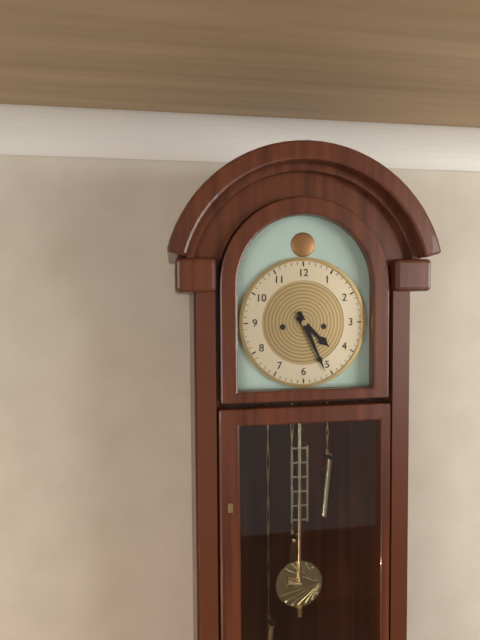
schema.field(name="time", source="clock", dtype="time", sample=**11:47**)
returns **4:26**
